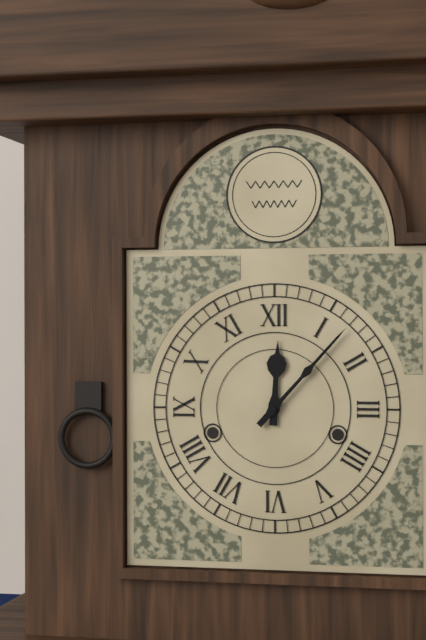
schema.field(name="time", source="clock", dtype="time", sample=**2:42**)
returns **12:07**
